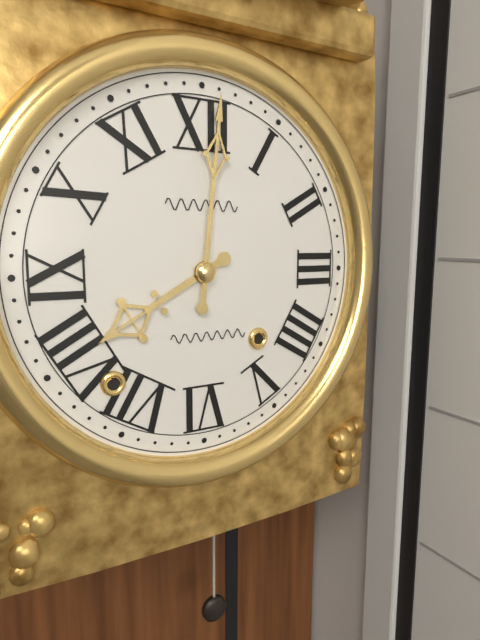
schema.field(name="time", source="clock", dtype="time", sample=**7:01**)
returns **8:01**
